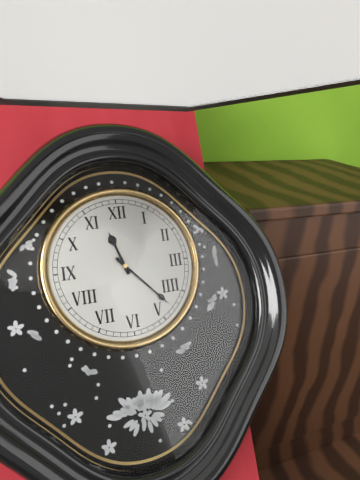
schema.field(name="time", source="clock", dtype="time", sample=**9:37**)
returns **11:23**
